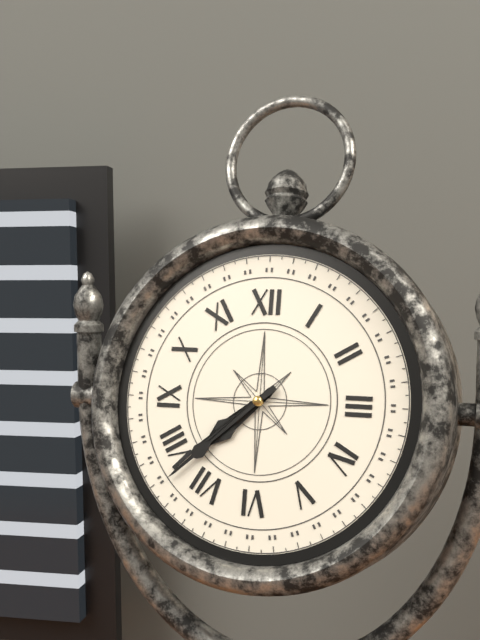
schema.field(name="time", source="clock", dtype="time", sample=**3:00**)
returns **7:38**
